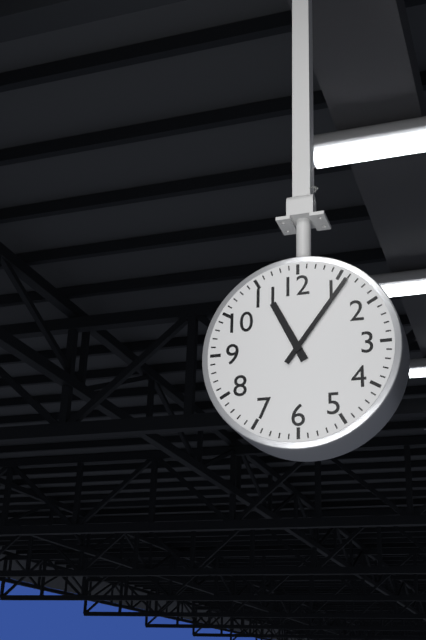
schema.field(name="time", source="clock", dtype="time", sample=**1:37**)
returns **11:06**
